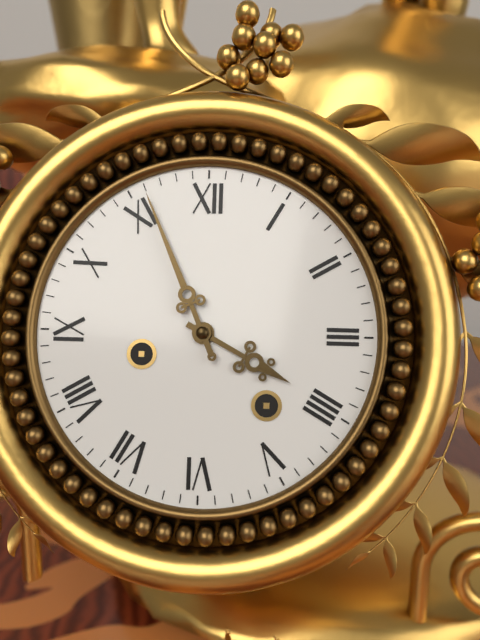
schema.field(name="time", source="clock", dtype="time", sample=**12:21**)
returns **3:56**
